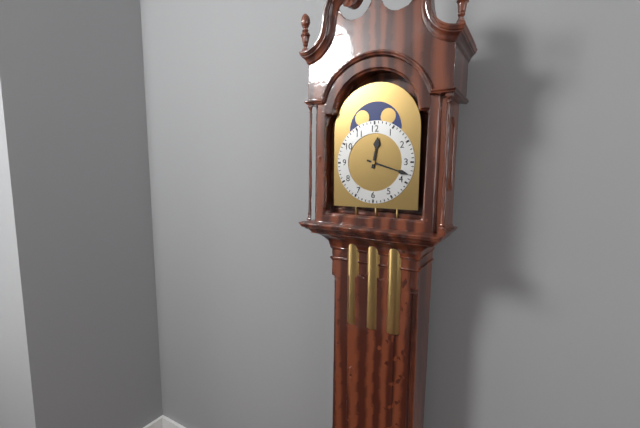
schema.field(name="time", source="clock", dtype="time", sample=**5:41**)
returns **12:18**
